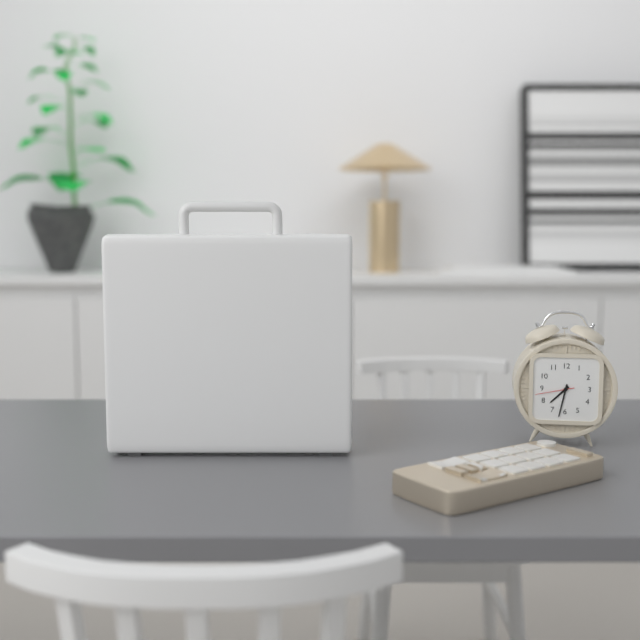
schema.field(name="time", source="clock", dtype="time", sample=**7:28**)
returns **7:32**
